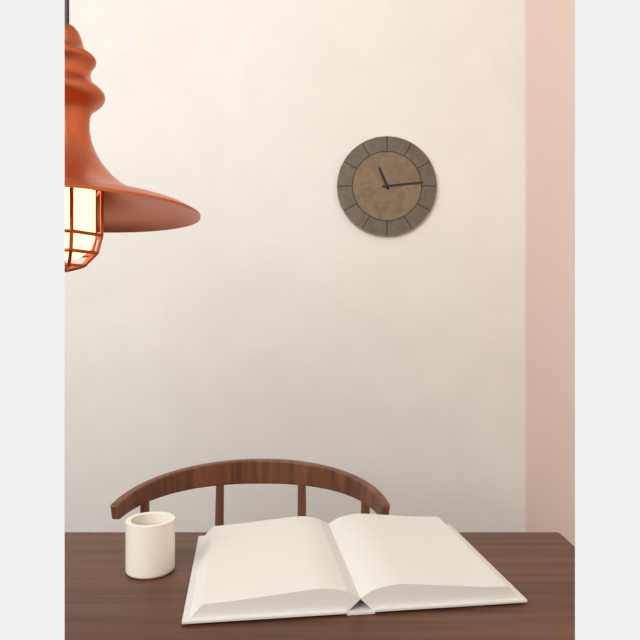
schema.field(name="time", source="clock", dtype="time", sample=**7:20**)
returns **11:14**
